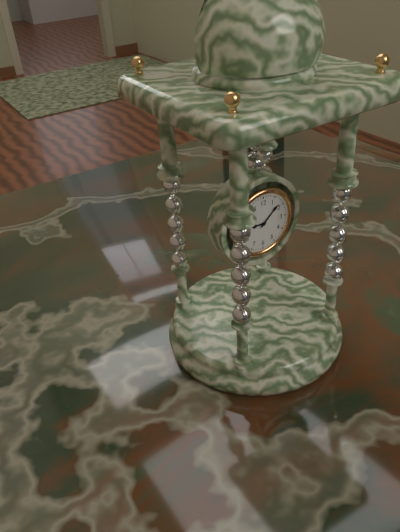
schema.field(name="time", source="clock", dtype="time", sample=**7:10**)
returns **9:08**
